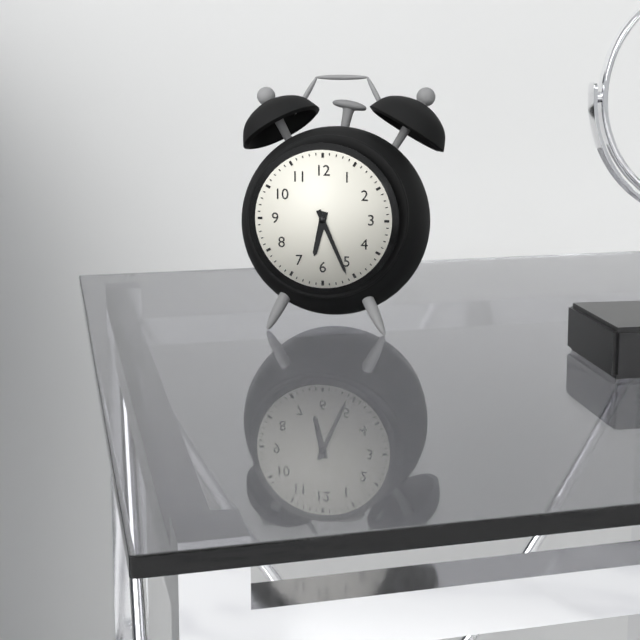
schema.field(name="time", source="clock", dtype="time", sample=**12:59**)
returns **6:26**
